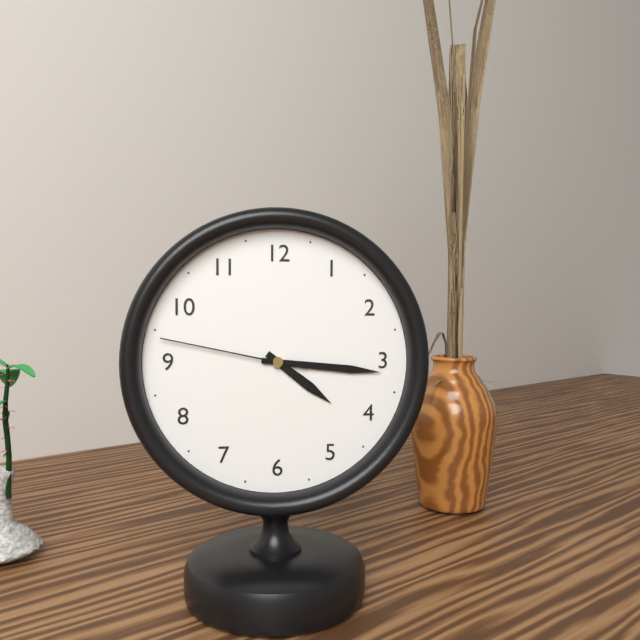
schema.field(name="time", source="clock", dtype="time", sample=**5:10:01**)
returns **4:16:47**
